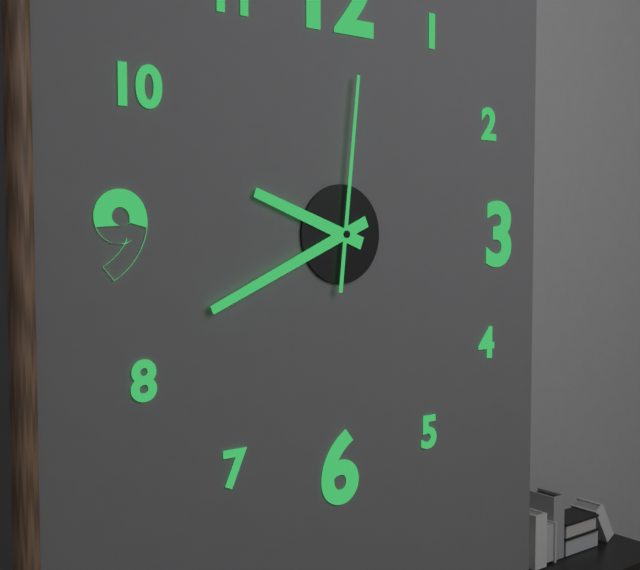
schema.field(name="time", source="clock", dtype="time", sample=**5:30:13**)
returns **9:41:01**
